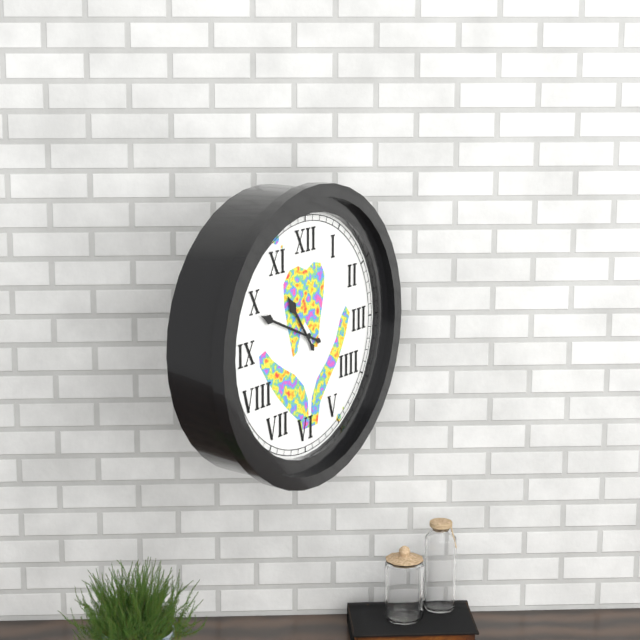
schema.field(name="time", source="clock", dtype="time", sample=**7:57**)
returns **10:49**
